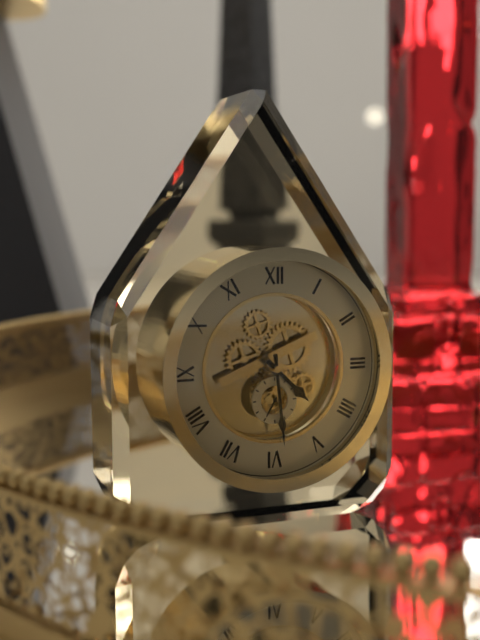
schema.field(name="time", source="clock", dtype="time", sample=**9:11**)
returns **4:29**
